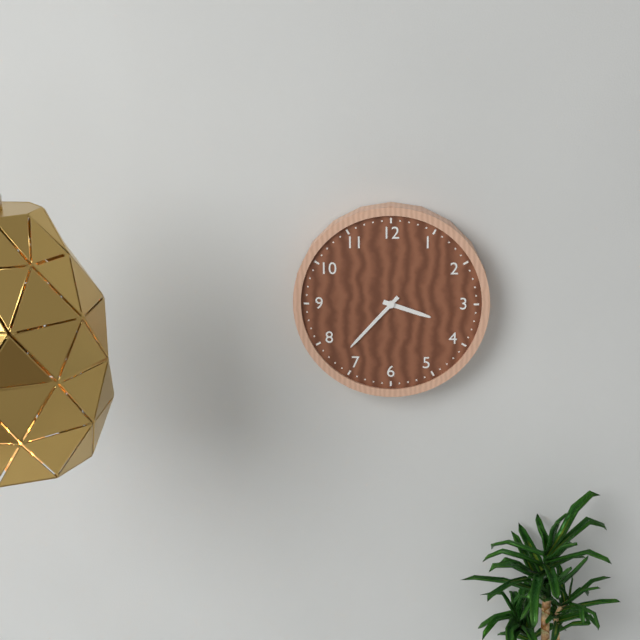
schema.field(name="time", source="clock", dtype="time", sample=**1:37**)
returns **3:37**
